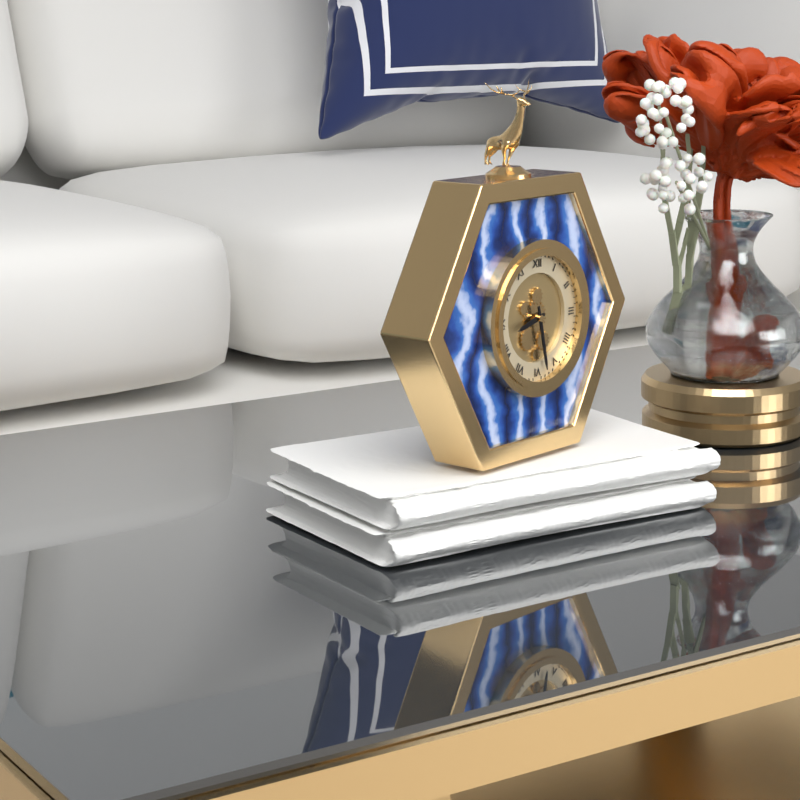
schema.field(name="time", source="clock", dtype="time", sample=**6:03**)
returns **8:28**
